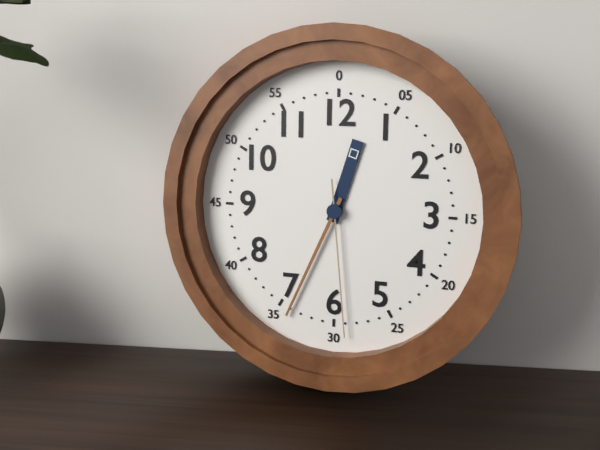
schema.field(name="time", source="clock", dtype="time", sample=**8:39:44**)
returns **12:34:29**
